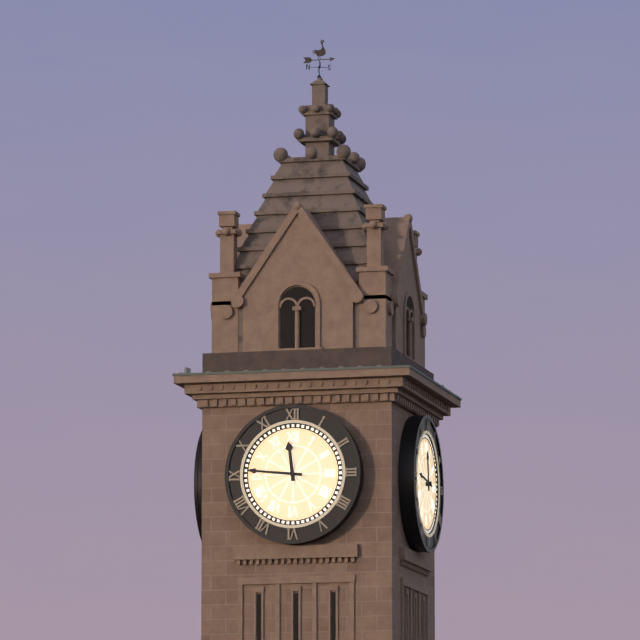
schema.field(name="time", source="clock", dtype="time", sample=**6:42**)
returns **11:46**
